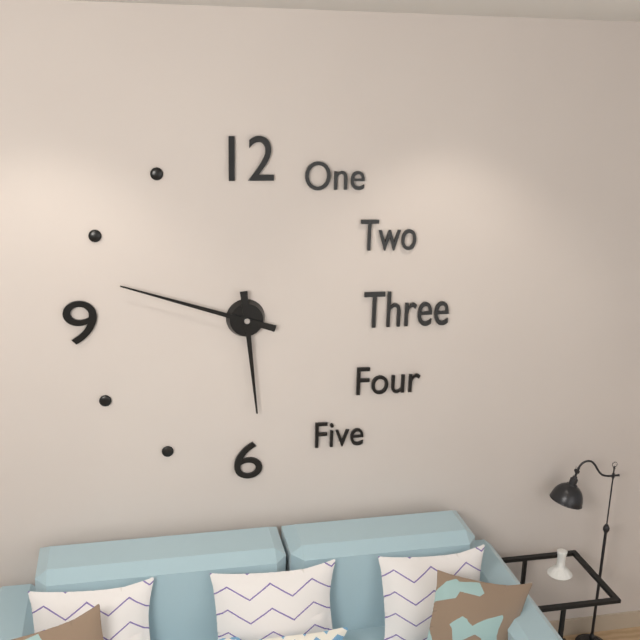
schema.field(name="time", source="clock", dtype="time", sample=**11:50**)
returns **5:48**
